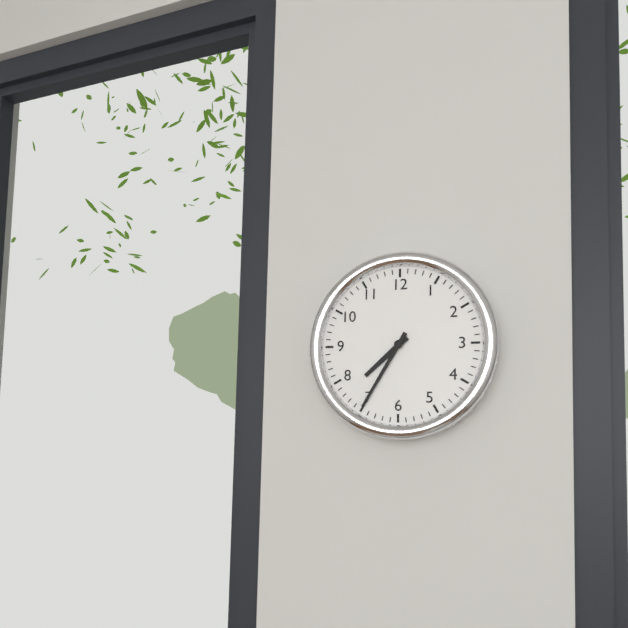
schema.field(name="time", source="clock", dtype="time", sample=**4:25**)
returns **7:35**
